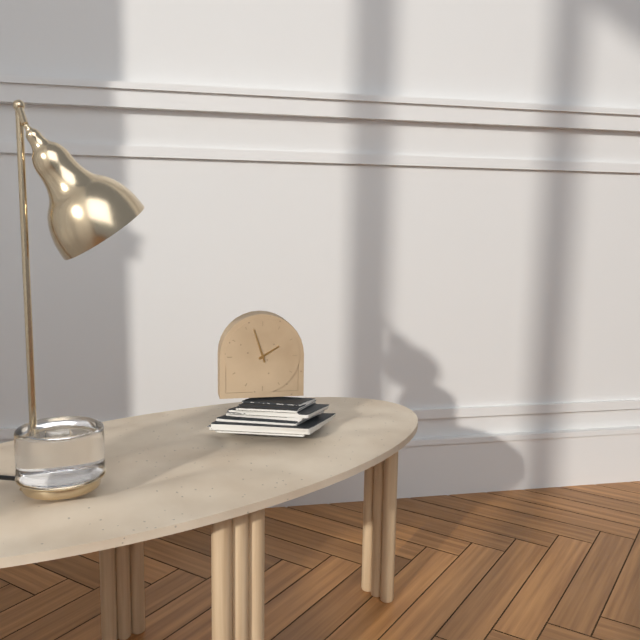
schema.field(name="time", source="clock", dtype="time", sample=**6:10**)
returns **1:57**
